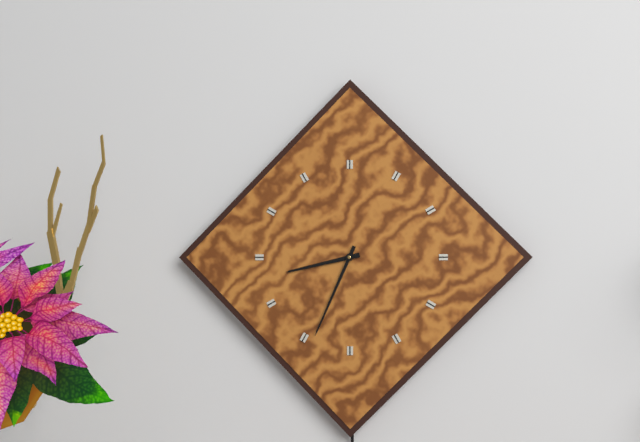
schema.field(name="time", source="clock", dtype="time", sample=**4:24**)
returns **8:34**
